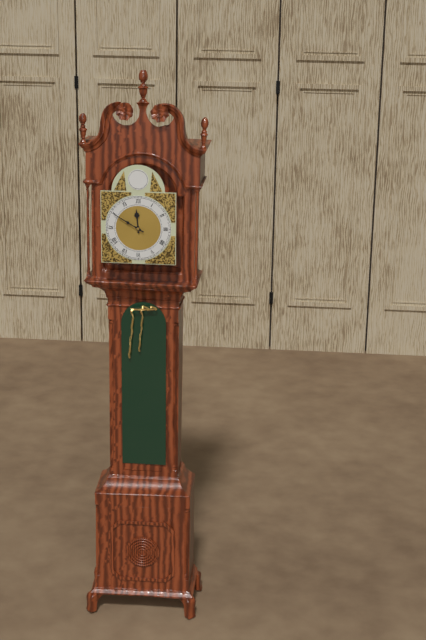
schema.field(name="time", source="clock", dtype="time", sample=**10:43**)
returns **11:50**
